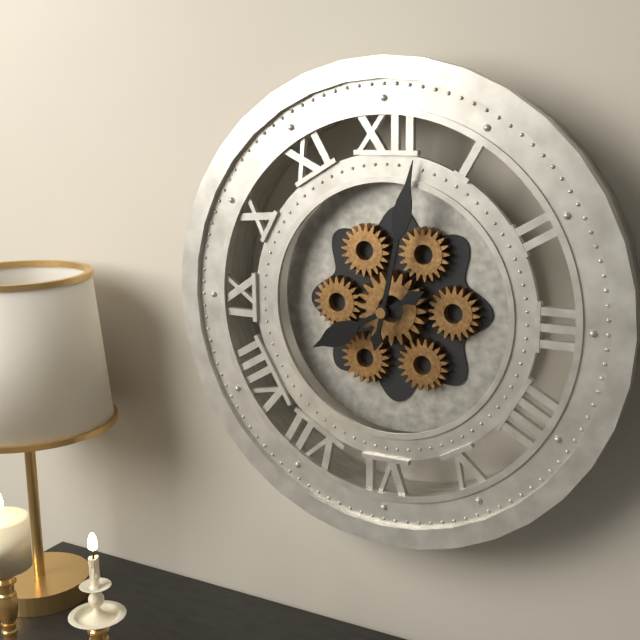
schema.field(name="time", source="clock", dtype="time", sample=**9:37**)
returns **8:02**
